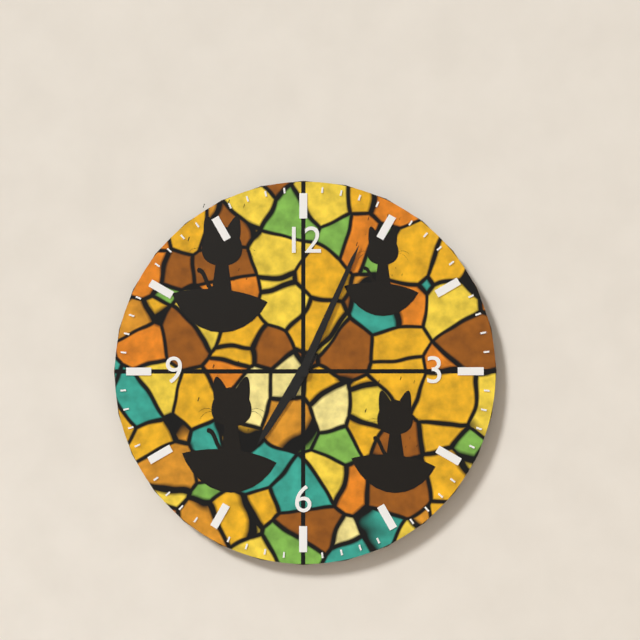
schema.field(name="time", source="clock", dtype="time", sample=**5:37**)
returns **7:04**
